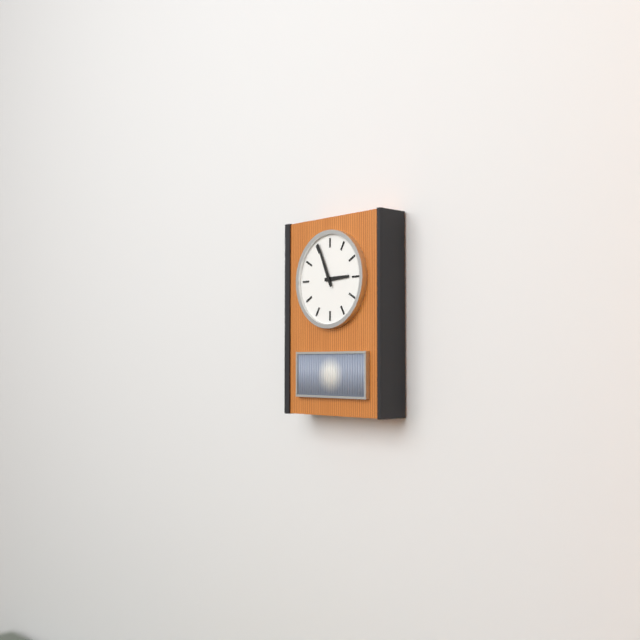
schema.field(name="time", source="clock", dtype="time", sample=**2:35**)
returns **2:56**
